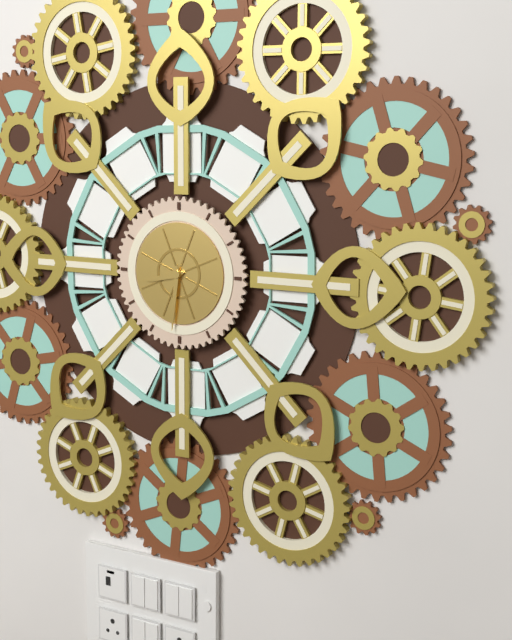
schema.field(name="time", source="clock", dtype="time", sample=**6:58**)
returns **8:31**
